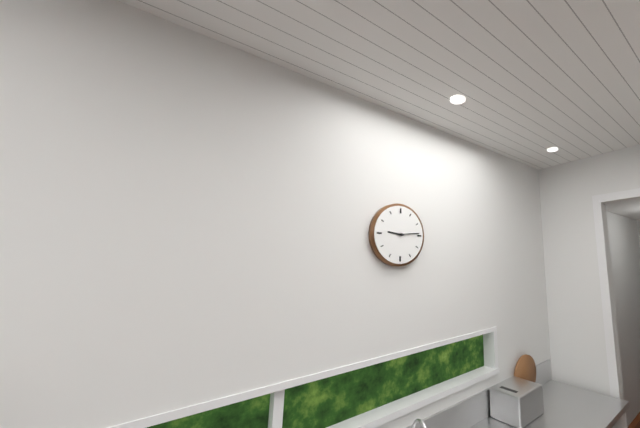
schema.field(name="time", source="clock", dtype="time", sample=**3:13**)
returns **9:14**
